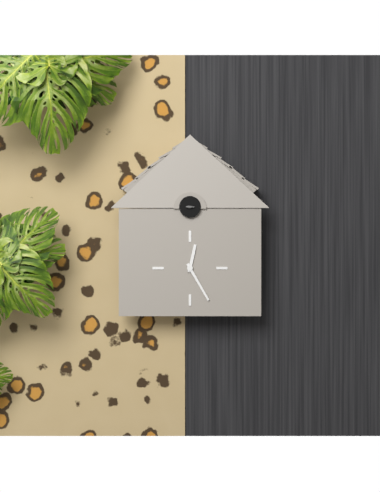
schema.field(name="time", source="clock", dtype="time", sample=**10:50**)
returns **12:25**
